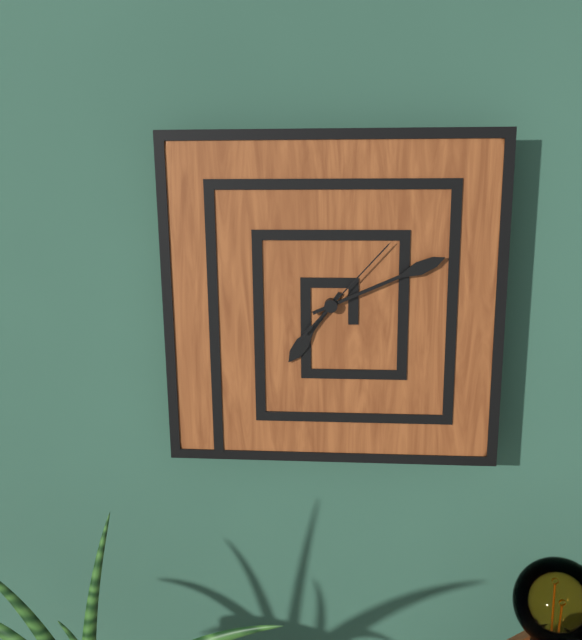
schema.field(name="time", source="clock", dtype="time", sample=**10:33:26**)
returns **7:11:07**
